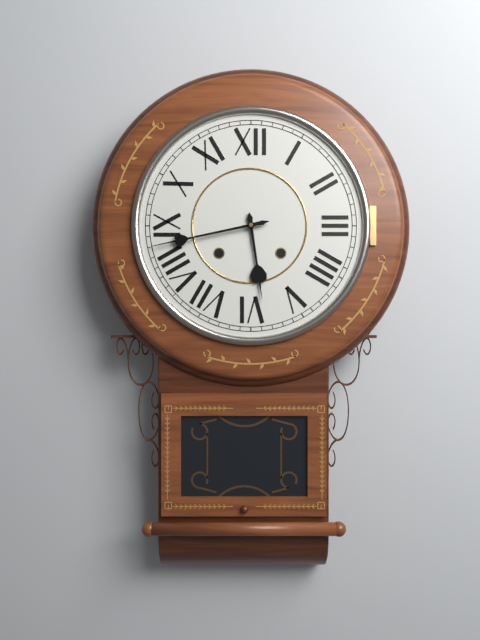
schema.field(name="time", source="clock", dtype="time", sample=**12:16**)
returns **5:43**
